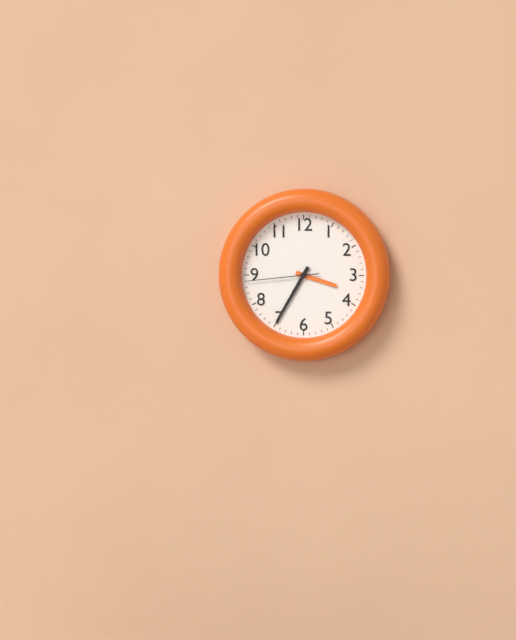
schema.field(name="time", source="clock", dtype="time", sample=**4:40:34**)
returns **3:35:44**
